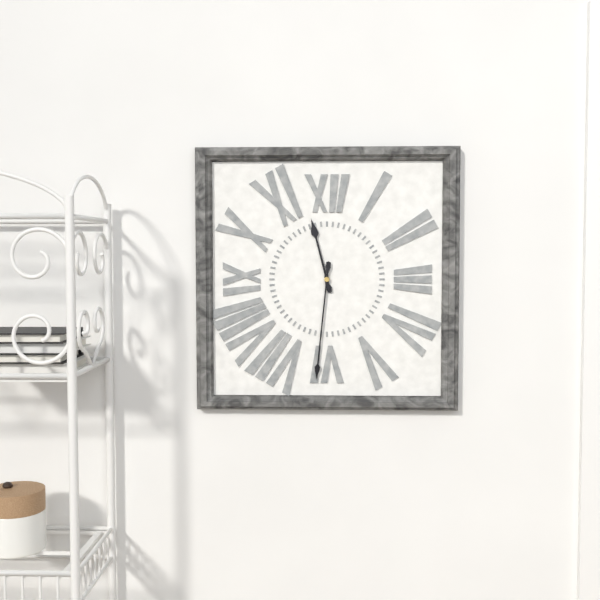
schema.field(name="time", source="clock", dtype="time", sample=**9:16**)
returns **11:31**
